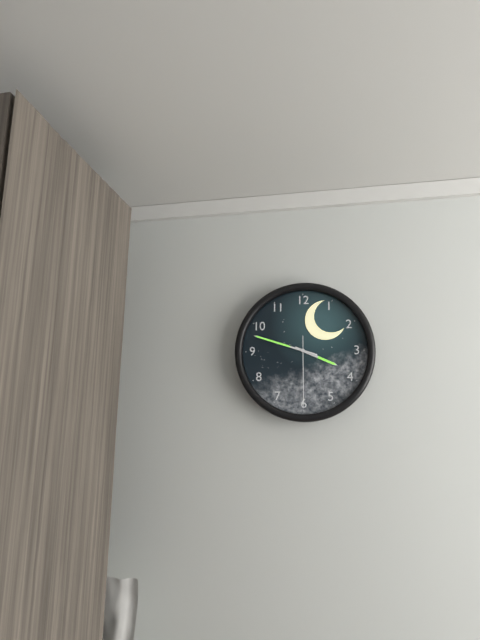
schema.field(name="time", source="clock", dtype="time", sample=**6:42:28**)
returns **3:48:30**
